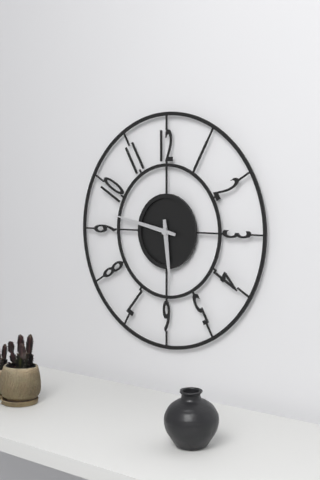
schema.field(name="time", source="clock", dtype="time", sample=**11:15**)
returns **5:47**
